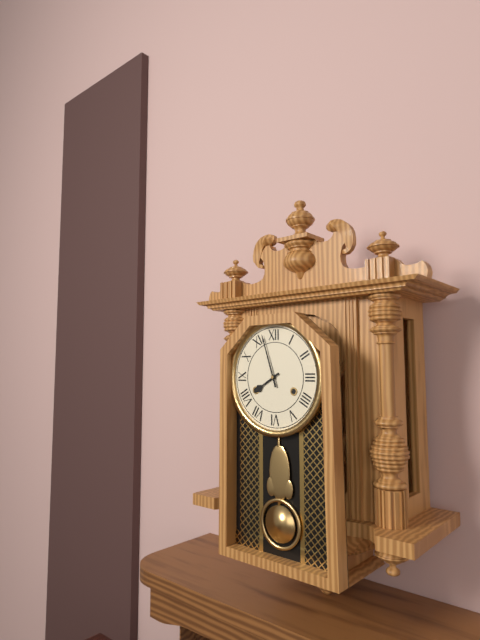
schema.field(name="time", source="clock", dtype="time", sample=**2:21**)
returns **7:57**
